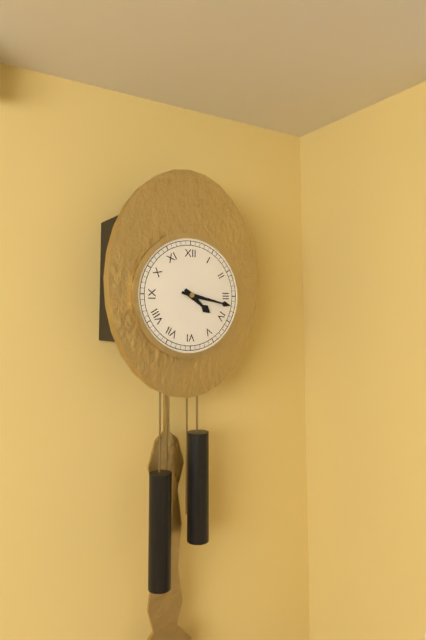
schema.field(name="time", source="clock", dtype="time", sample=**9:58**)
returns **4:17**
